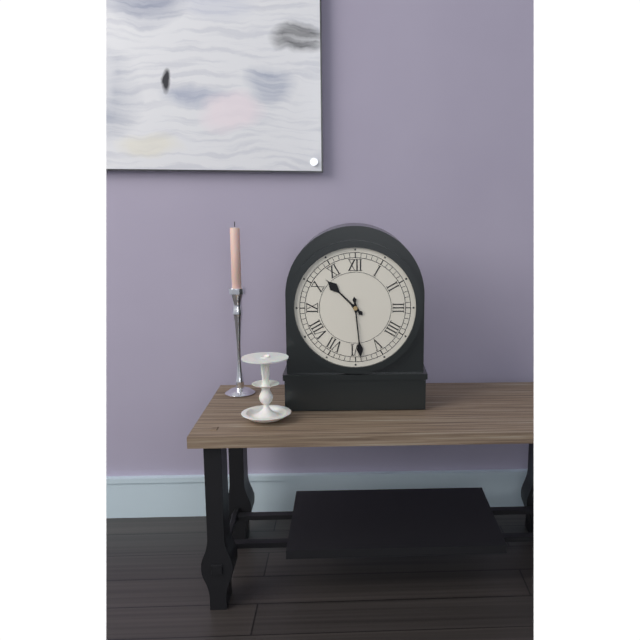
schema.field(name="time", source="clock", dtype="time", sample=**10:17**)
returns **10:29**
